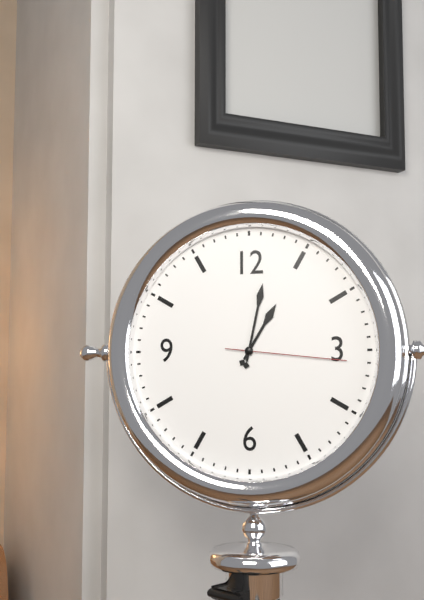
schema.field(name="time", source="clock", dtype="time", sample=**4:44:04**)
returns **1:02:16**
